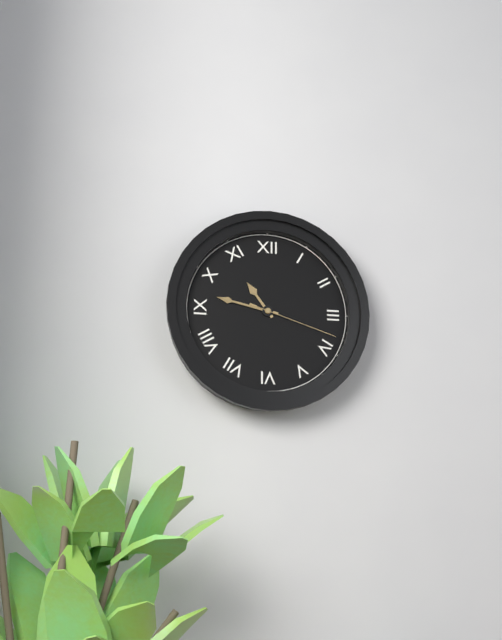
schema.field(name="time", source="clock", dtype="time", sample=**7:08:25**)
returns **10:47:18**
